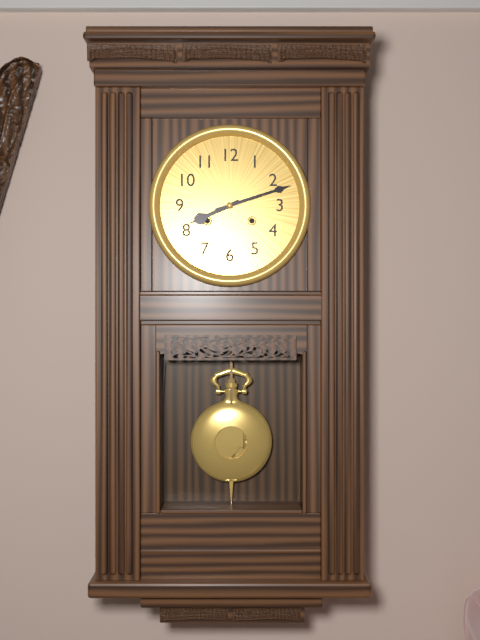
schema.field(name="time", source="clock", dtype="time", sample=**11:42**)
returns **8:12**
